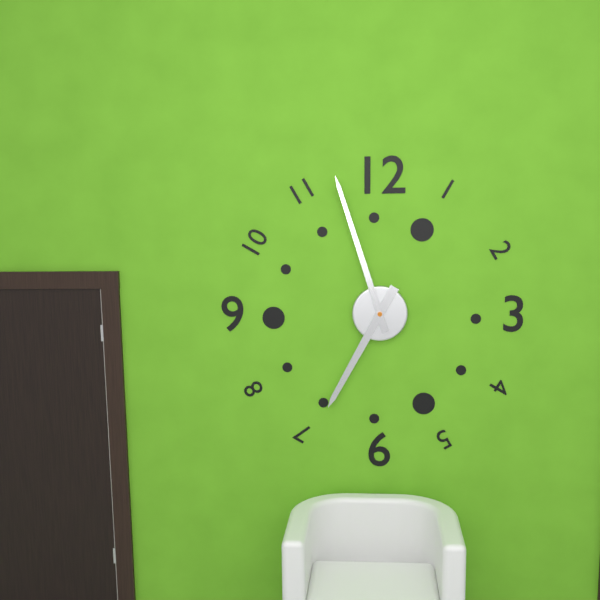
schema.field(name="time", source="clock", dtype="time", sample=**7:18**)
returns **6:57**
